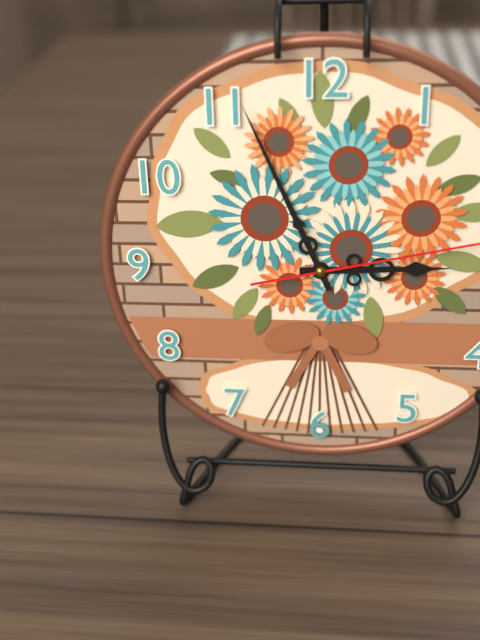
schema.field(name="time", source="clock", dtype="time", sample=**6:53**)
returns **2:56**
